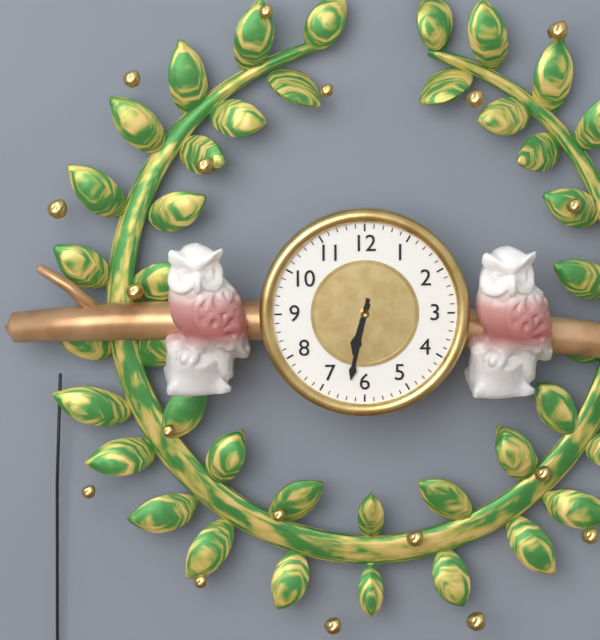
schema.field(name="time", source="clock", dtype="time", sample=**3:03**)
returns **6:32**
